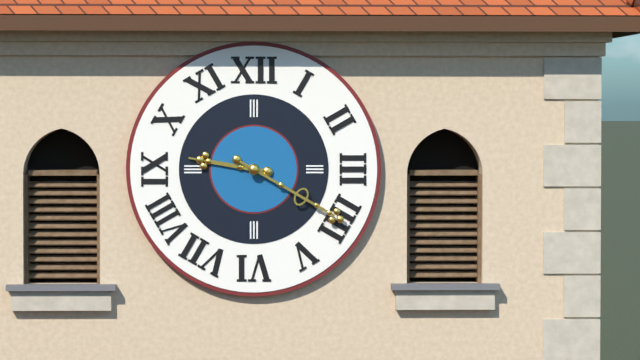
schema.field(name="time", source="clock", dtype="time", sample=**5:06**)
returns **9:20**
